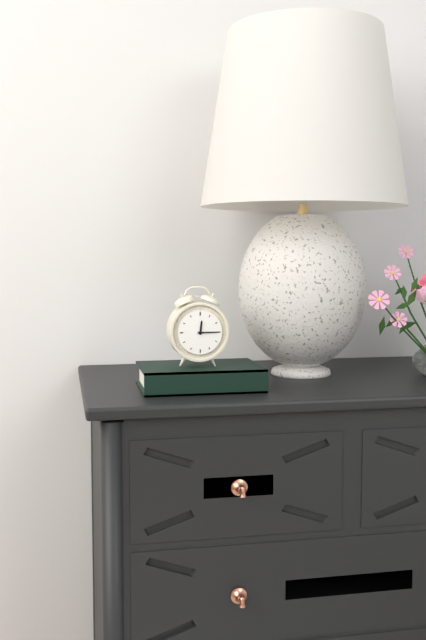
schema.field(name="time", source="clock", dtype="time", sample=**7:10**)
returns **12:15**
